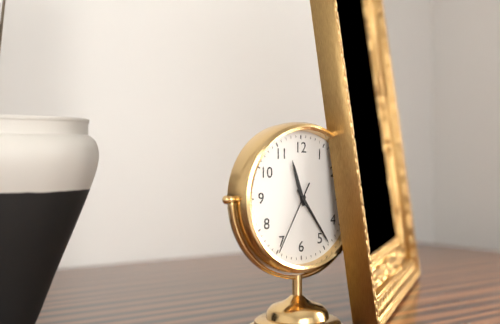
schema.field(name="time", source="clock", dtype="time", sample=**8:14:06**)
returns **11:24:35**
